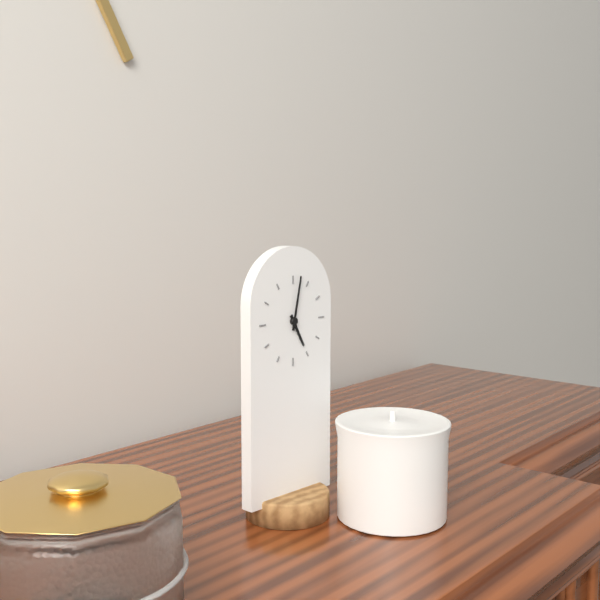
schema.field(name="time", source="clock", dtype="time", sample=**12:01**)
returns **5:02**
